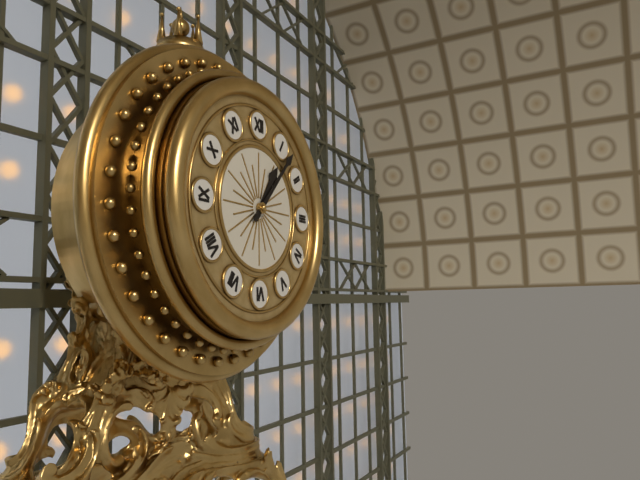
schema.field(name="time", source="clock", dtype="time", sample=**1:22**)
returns **1:07**
